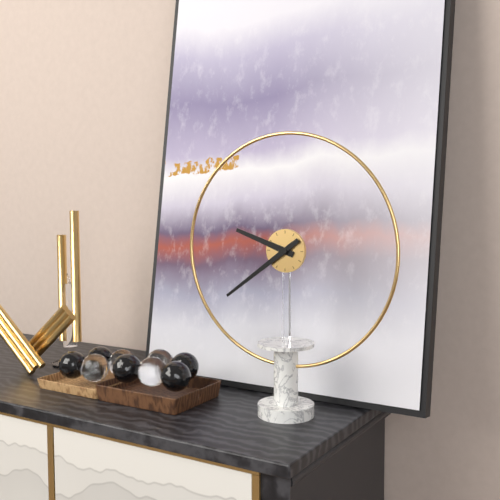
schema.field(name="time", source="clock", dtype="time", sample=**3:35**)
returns **9:39**
